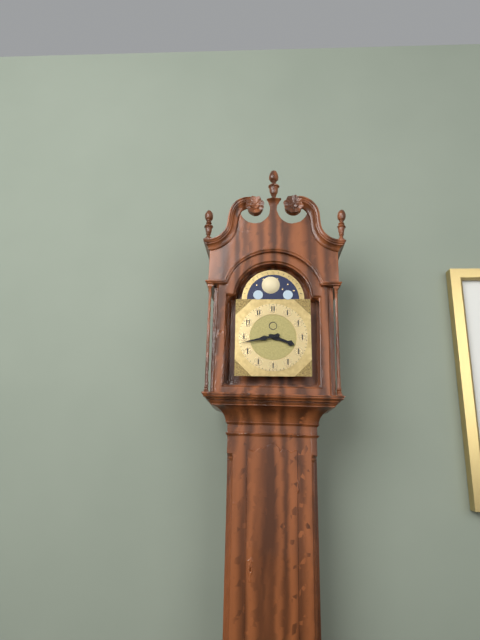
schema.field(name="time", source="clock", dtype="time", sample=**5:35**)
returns **3:43**
